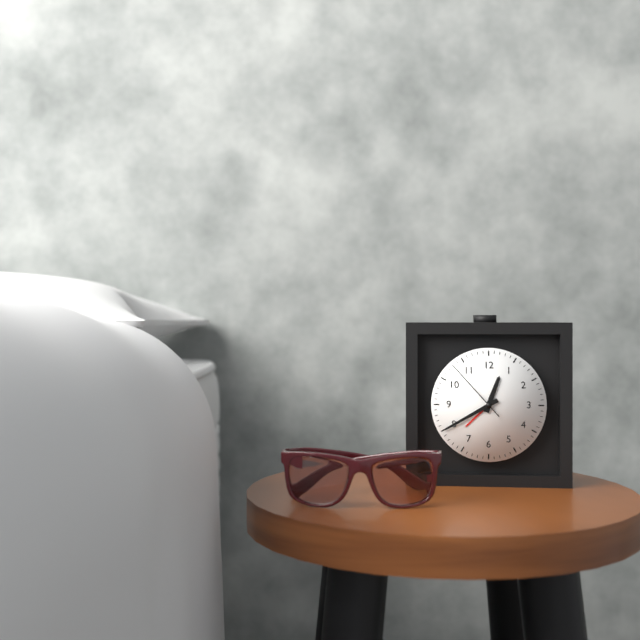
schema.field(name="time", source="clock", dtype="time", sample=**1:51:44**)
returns **12:40:53**
